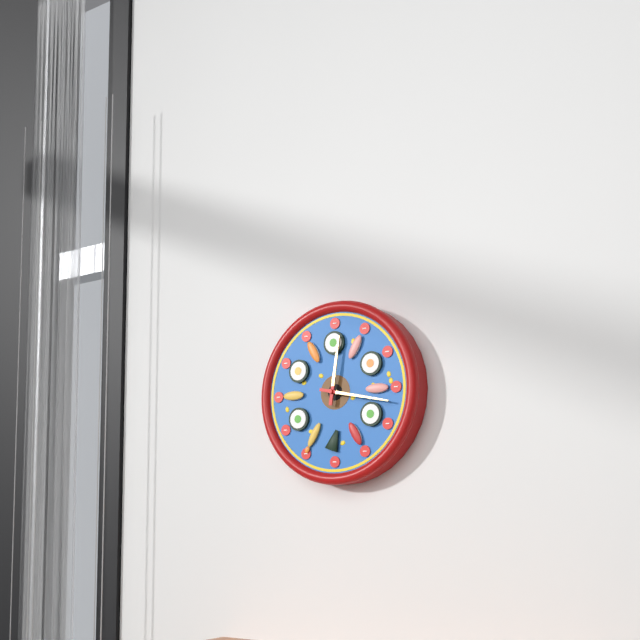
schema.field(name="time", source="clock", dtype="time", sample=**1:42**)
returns **12:17**
